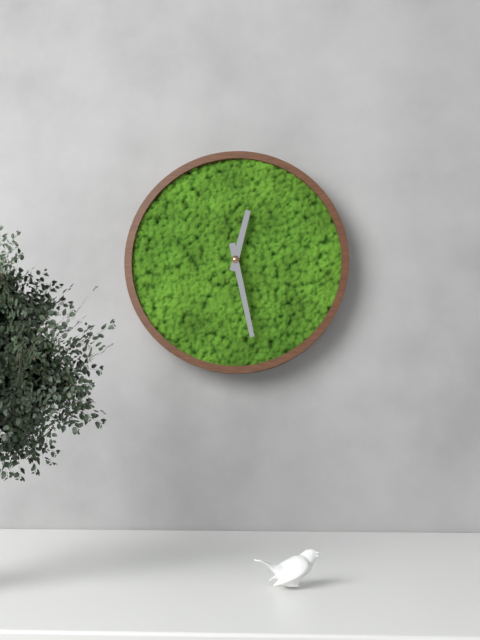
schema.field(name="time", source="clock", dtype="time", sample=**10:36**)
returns **12:28**
